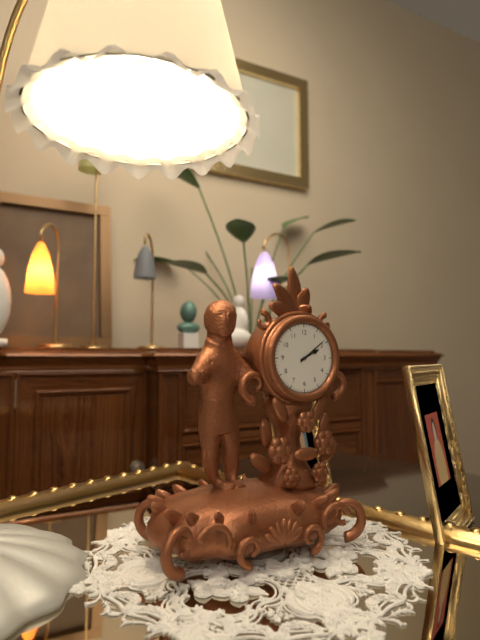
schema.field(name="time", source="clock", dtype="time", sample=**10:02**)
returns **2:09**
